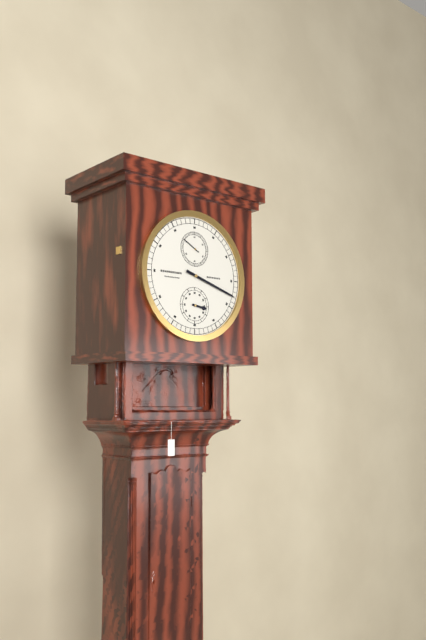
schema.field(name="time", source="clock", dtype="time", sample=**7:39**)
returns **3:18**
